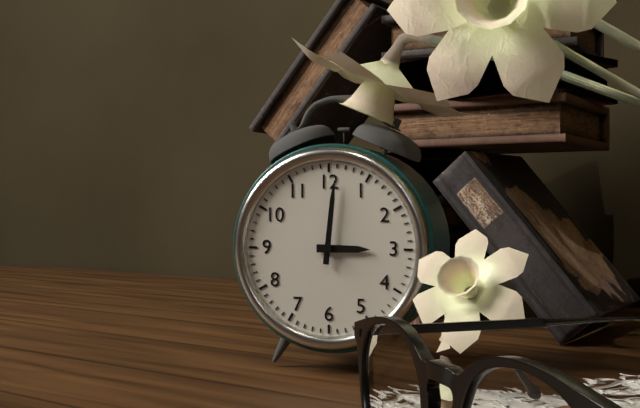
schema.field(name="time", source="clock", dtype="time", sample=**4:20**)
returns **3:01**
